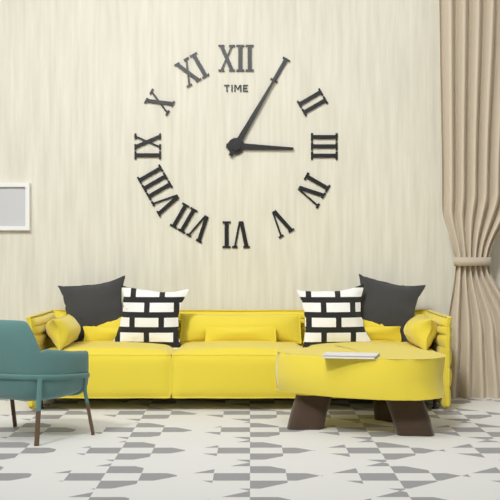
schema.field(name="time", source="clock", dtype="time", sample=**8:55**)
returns **3:05**
